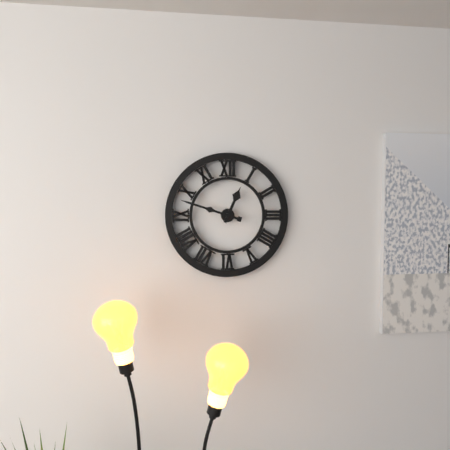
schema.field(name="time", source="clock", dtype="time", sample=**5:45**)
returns **12:48**
